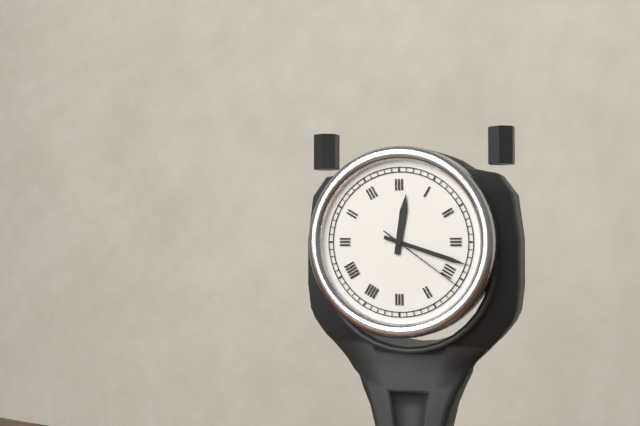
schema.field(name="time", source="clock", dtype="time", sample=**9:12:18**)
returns **12:18:21**
